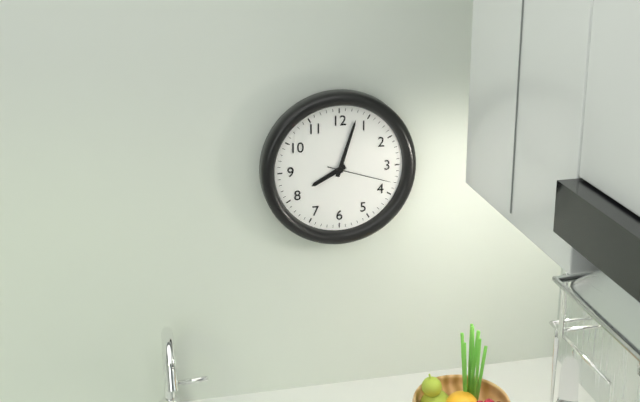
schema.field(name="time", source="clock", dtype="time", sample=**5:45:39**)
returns **8:03:18**
